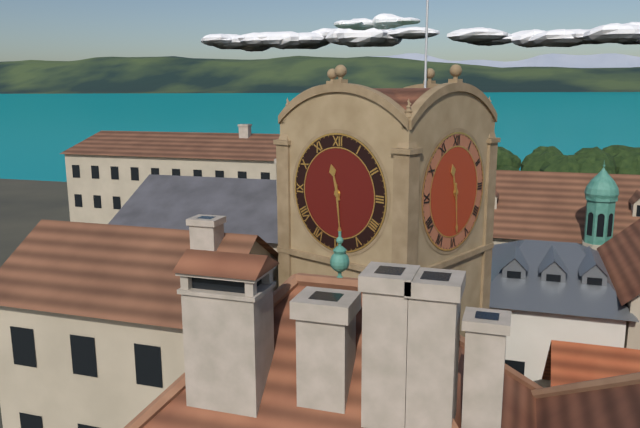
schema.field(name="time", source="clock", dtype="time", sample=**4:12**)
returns **11:29**
